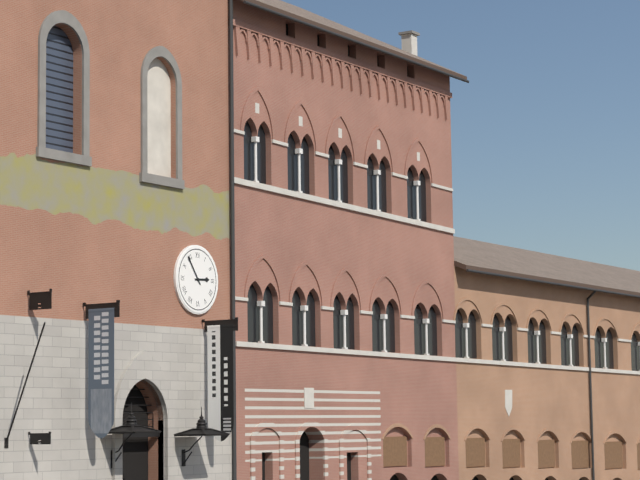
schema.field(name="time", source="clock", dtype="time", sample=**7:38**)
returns **2:54**
